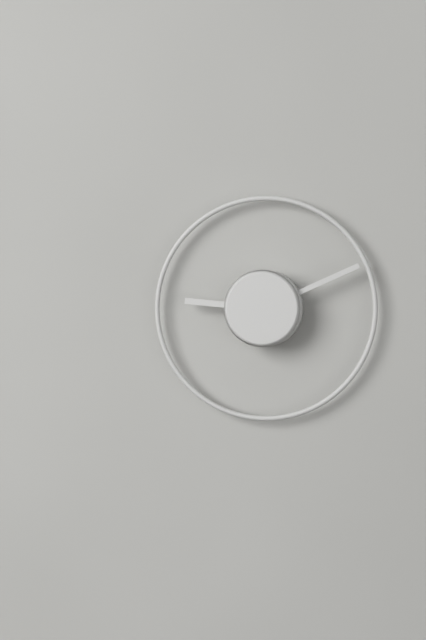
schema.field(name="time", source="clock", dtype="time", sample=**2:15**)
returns **9:11**
